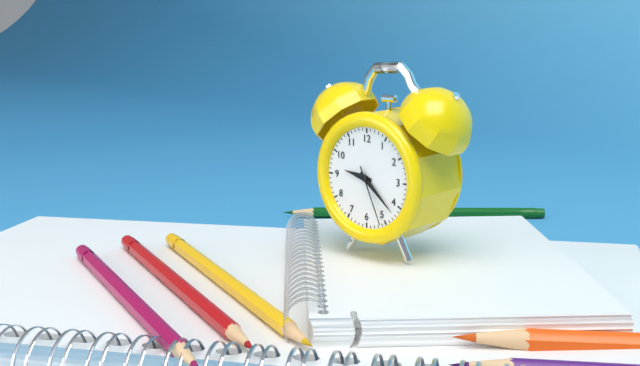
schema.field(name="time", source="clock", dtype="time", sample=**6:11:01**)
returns **9:22:26**
